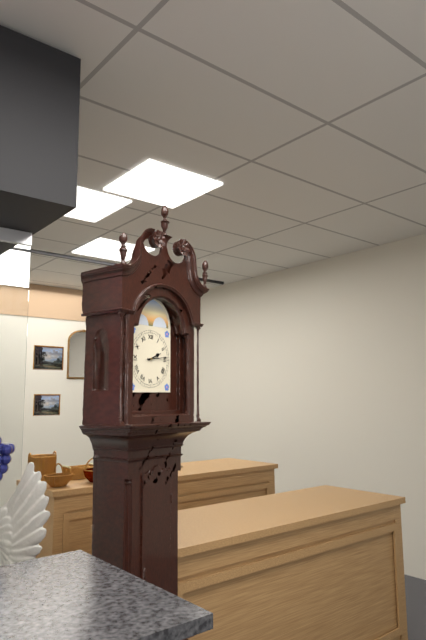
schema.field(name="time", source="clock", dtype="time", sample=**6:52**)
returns **2:14**
